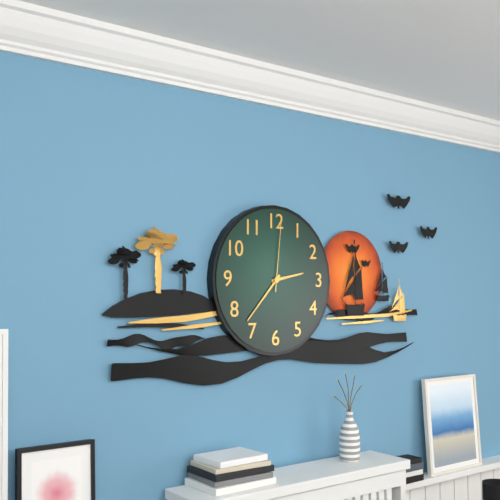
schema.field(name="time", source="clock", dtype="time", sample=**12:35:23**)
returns **2:37:01**
